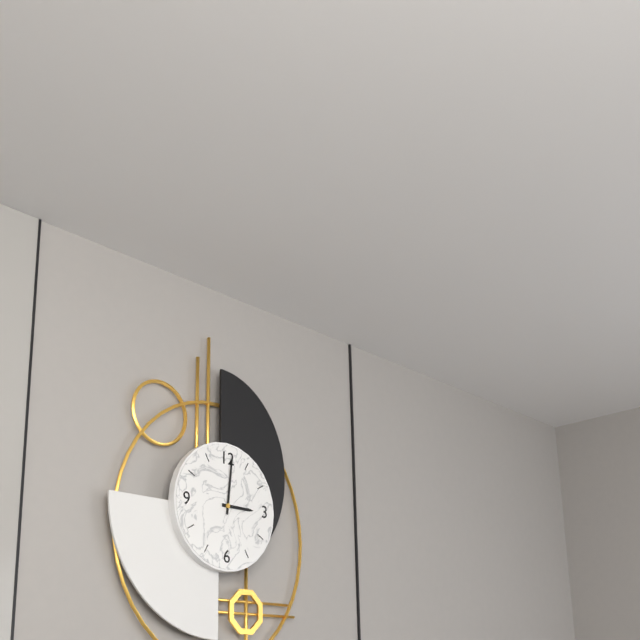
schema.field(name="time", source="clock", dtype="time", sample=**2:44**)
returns **3:01**
